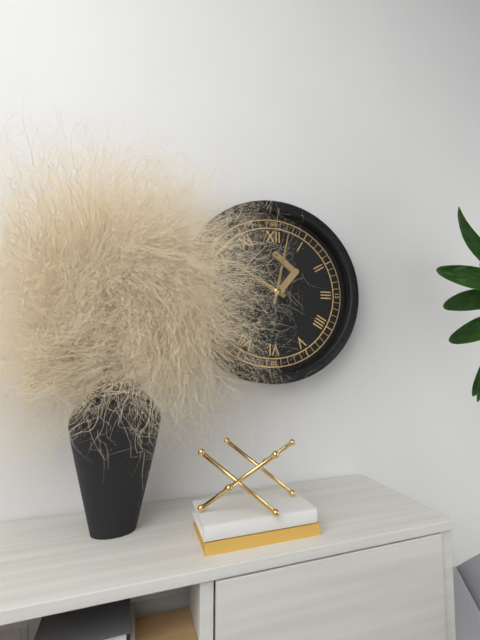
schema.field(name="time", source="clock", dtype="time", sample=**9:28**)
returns **10:02**
